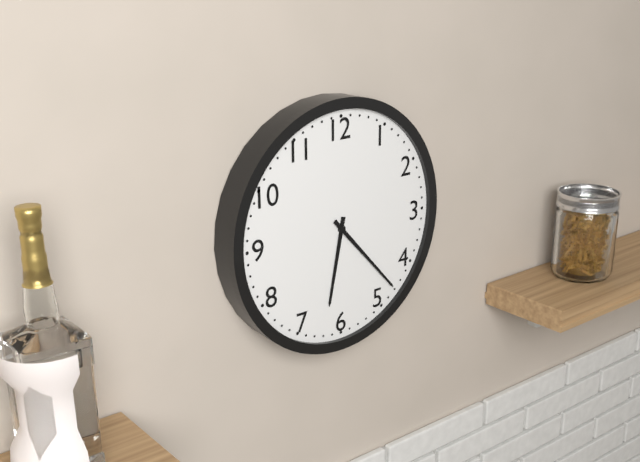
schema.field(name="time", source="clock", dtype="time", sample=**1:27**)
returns **6:23**
